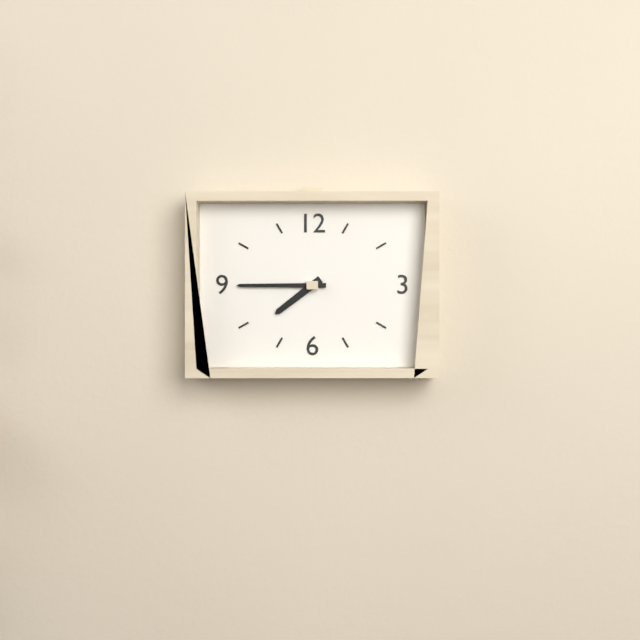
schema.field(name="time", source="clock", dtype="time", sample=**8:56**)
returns **7:45**
